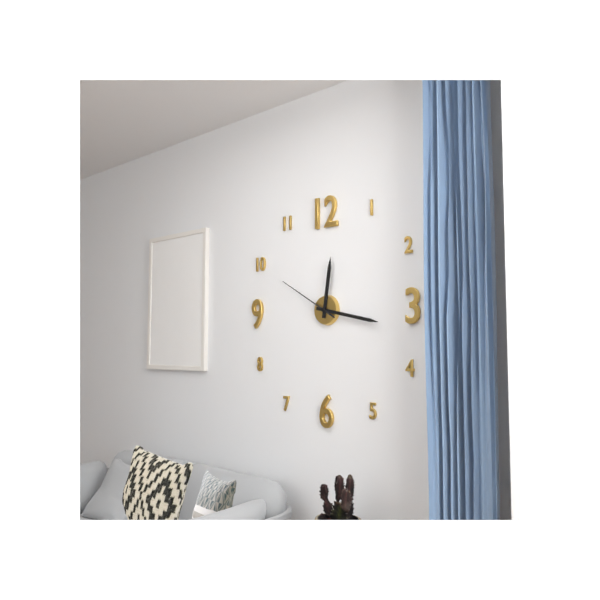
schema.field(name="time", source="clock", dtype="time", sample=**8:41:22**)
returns **12:17:50**
